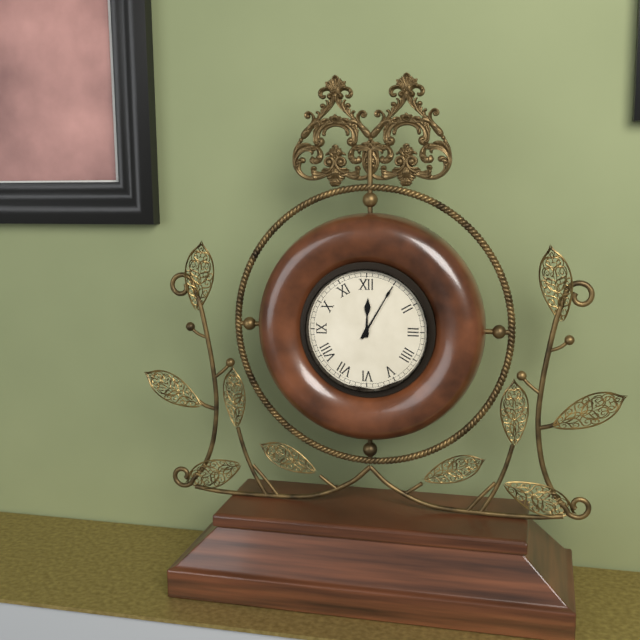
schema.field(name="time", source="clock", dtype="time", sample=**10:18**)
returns **12:05**
